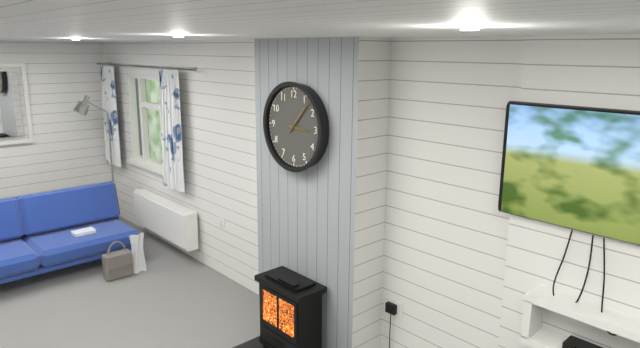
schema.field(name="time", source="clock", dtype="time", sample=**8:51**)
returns **3:07**
